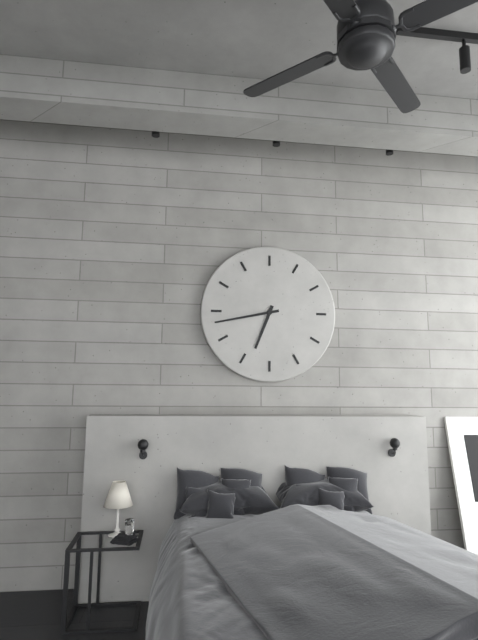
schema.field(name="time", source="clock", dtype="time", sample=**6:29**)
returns **6:43**
